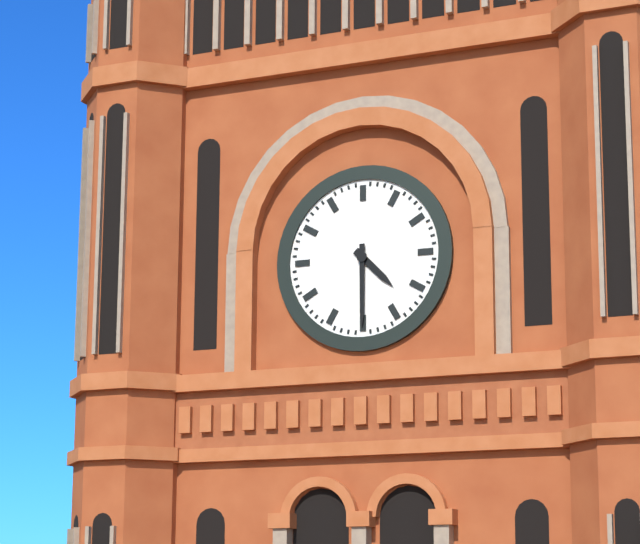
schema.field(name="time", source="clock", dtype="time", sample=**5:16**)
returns **4:30**
